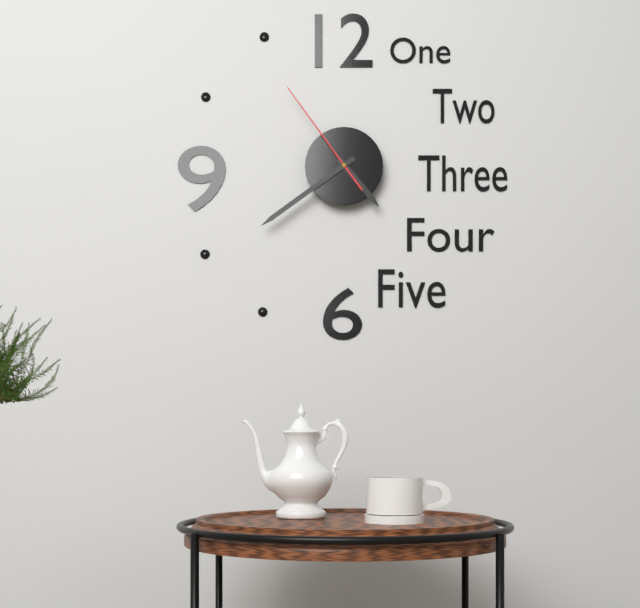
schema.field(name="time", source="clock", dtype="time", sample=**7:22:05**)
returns **4:39:54**
